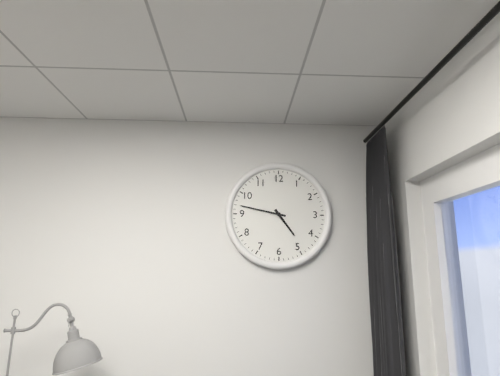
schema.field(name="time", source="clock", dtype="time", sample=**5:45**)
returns **4:47**
